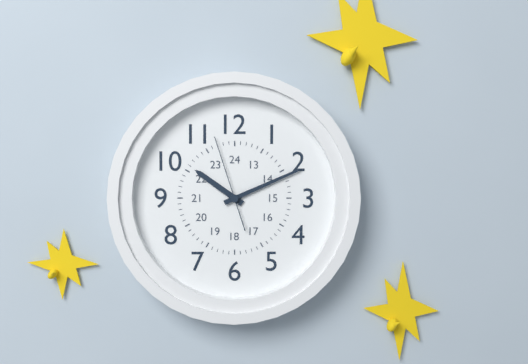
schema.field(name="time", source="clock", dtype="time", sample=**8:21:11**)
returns **10:11:57**
